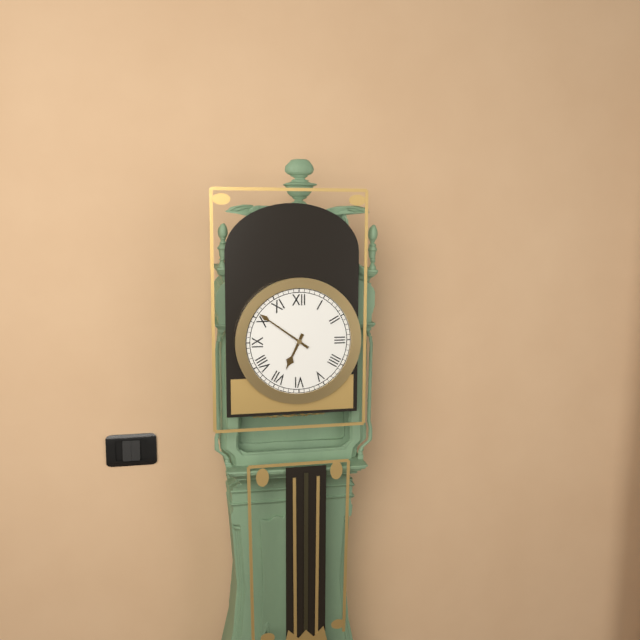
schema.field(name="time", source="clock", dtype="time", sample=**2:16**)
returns **6:51**
